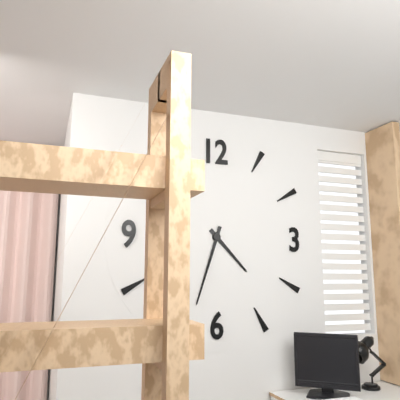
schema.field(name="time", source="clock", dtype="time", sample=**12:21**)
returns **4:33**
